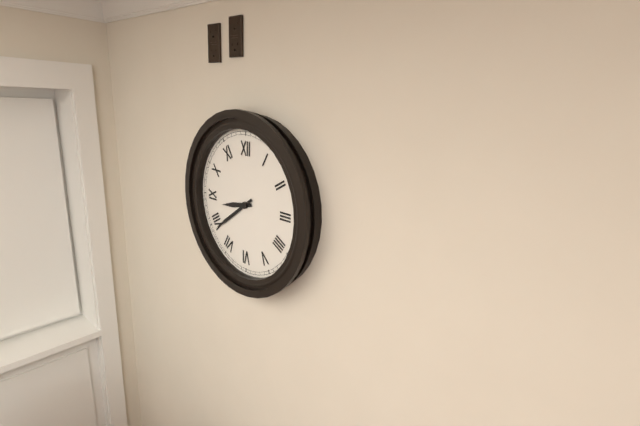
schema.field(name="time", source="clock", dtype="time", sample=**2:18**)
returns **8:39**
